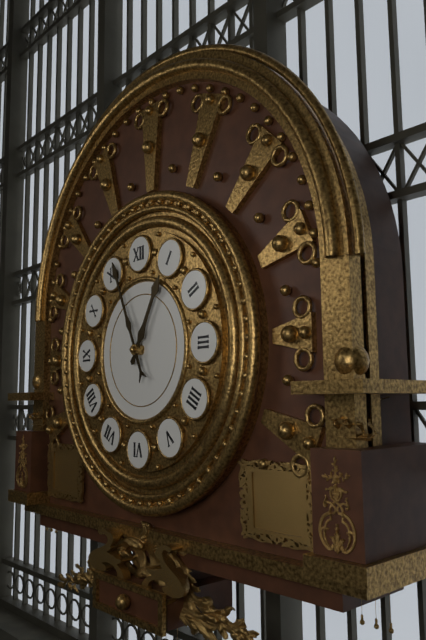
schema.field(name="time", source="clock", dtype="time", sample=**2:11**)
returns **12:56**
